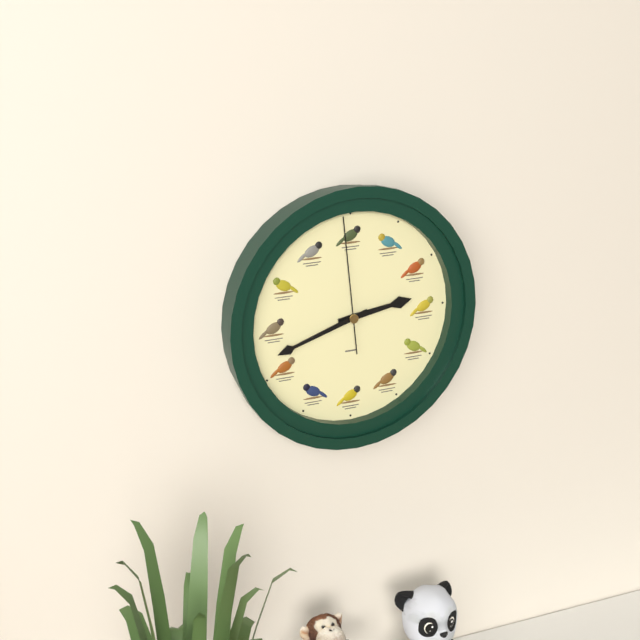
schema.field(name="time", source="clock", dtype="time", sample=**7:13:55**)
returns **2:42:59**
